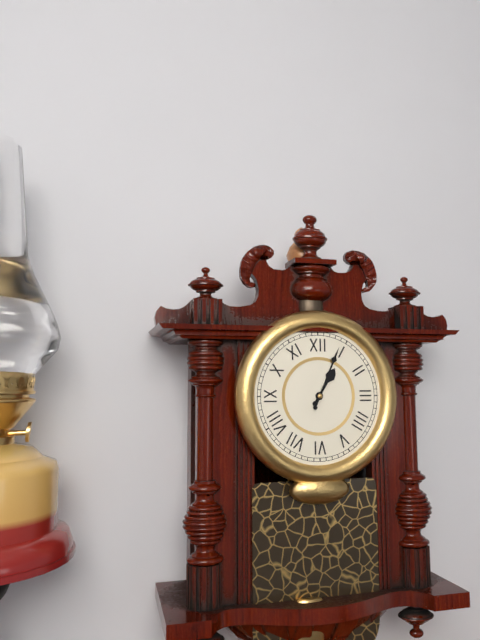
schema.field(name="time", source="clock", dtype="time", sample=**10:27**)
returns **1:04**
